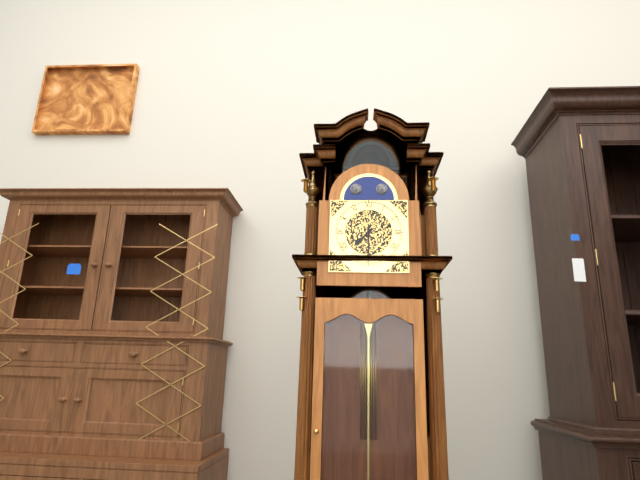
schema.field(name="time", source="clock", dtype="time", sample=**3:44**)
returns **7:30**
